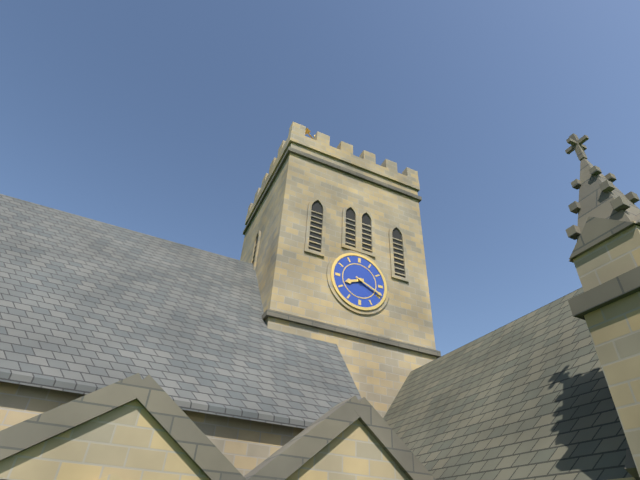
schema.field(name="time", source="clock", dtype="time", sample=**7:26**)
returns **8:19**
